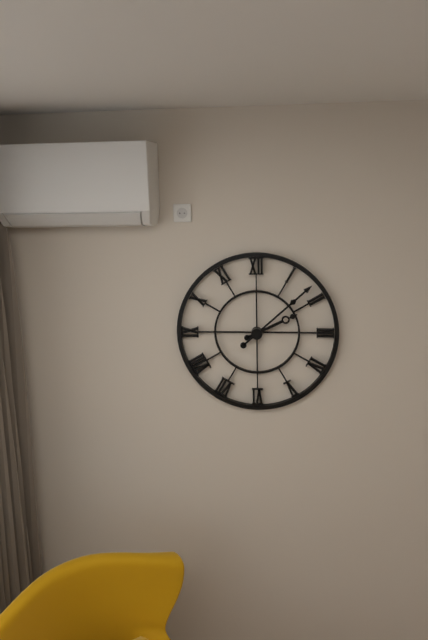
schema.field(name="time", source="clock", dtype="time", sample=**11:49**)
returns **2:08**
